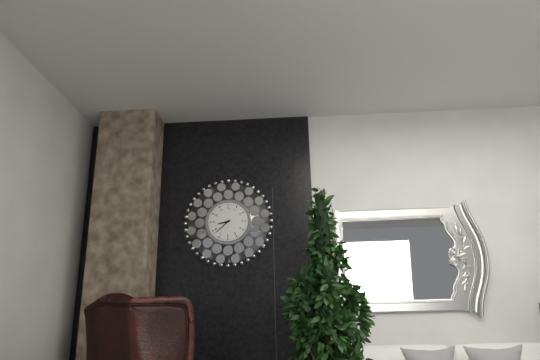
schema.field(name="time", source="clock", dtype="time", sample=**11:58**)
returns **8:38**
